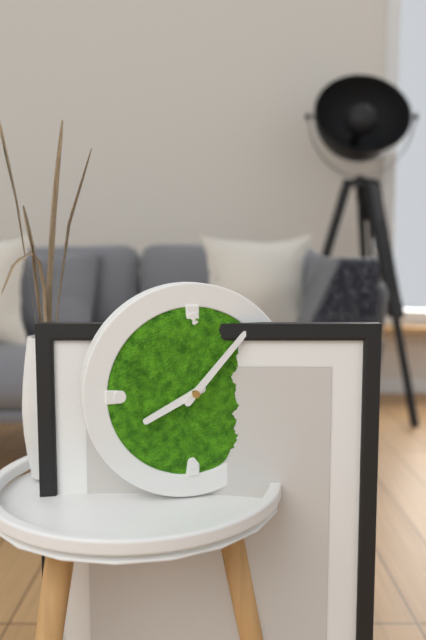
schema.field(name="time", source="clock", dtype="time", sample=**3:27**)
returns **8:07**
